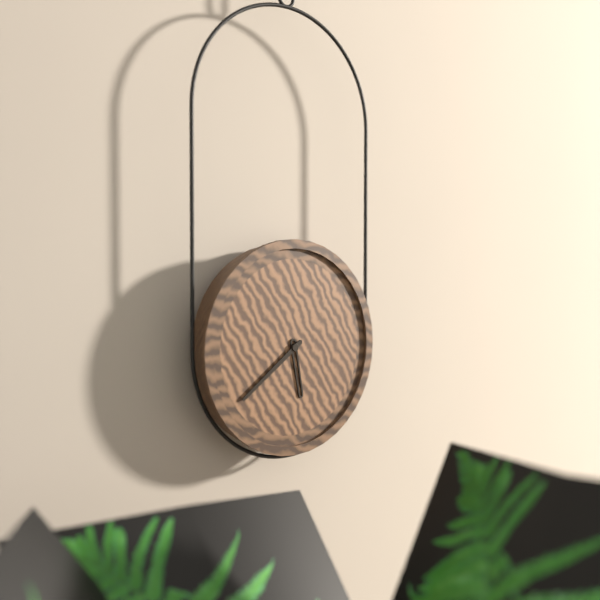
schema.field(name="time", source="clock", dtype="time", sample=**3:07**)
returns **5:39**
